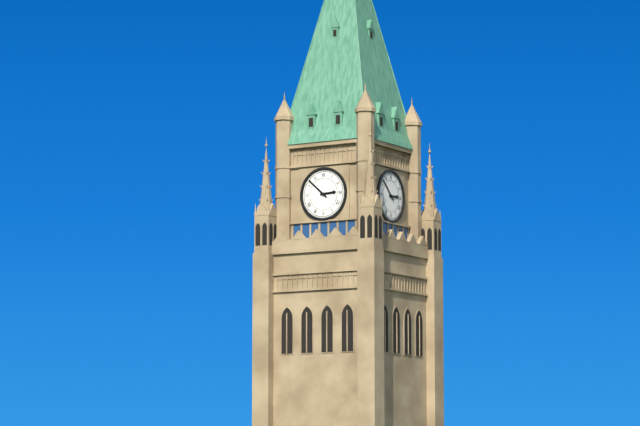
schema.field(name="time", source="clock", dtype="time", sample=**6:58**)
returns **2:52**
